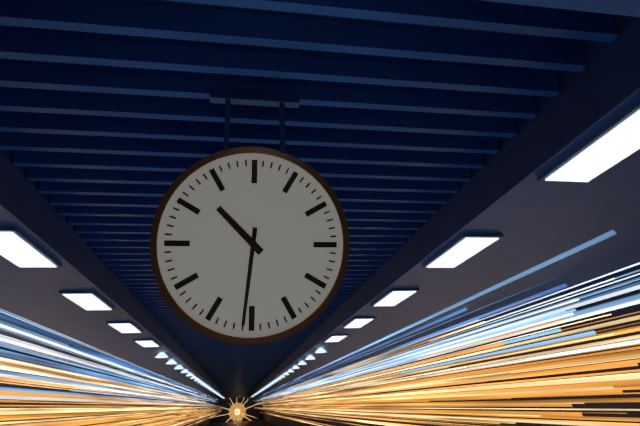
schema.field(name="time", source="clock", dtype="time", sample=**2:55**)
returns **10:31**
